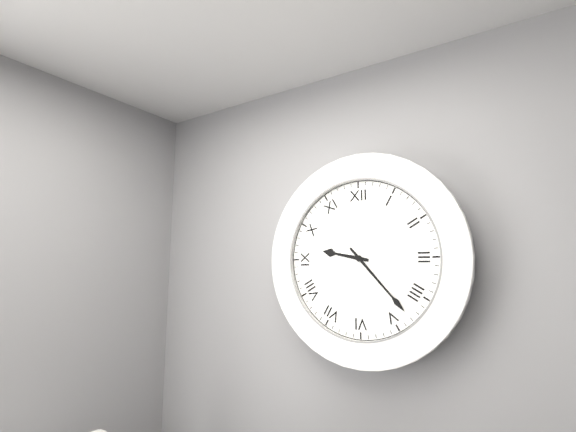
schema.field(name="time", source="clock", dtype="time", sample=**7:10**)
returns **9:23**
